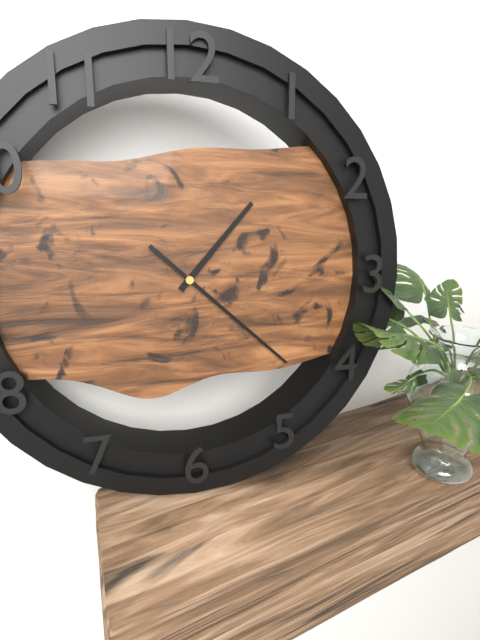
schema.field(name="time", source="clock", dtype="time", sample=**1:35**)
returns **1:22**
